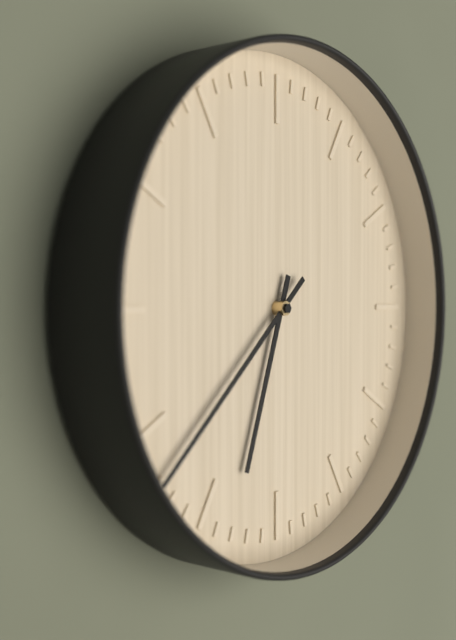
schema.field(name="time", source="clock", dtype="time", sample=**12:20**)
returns **6:38**
